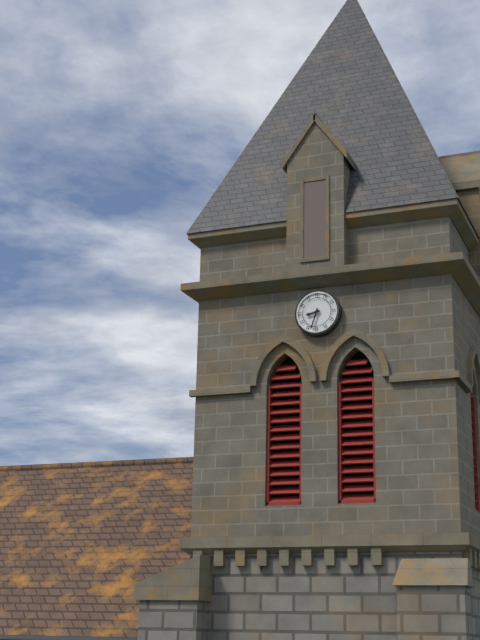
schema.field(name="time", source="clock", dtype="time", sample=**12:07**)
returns **8:33**
